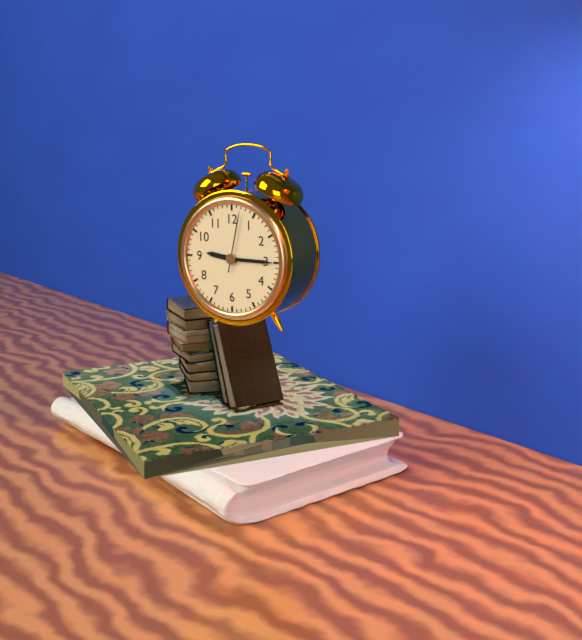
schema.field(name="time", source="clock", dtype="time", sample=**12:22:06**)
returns **9:15:02**
